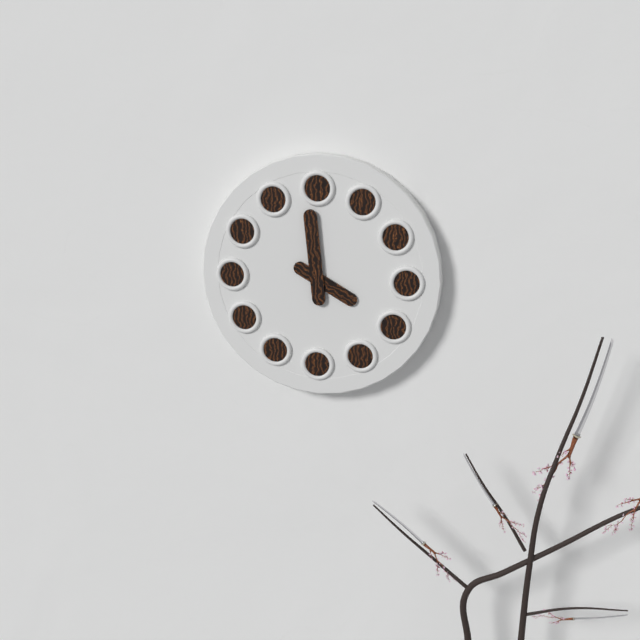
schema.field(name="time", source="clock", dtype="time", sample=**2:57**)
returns **3:59**
